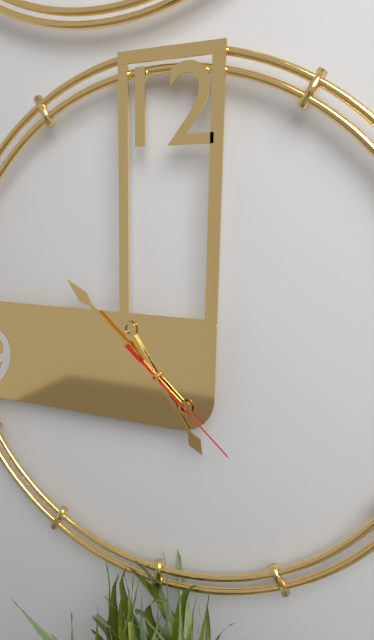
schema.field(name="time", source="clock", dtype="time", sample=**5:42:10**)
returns **4:52:22**
